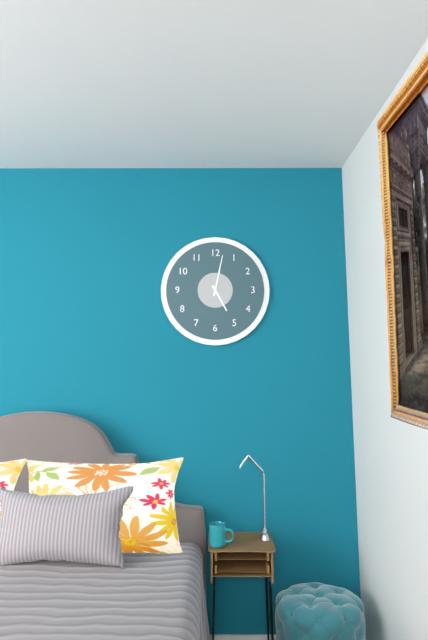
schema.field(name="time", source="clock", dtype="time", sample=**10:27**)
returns **5:02**
